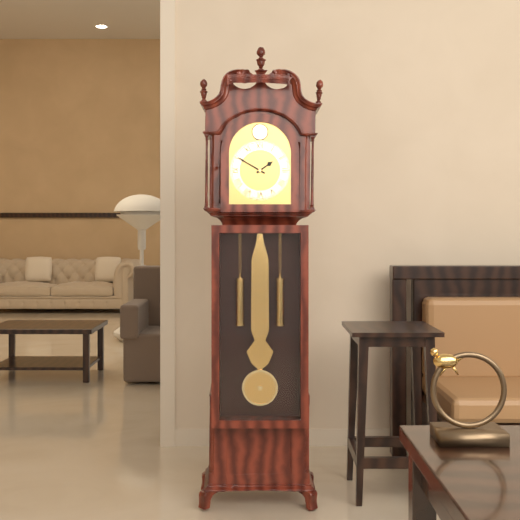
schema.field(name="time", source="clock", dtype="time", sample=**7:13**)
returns **1:50**
